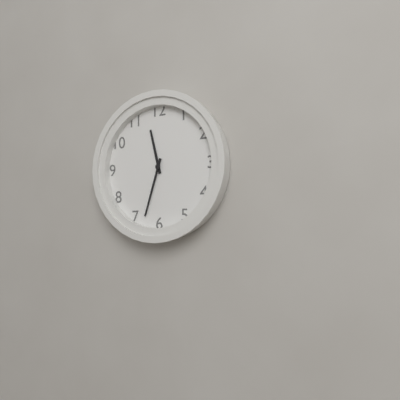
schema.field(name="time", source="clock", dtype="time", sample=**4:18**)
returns **11:33**
